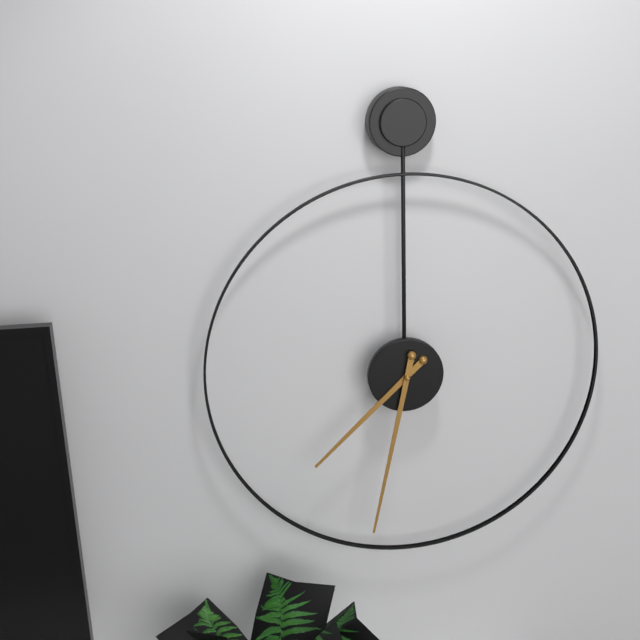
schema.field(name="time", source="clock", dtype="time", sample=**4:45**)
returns **7:32**
